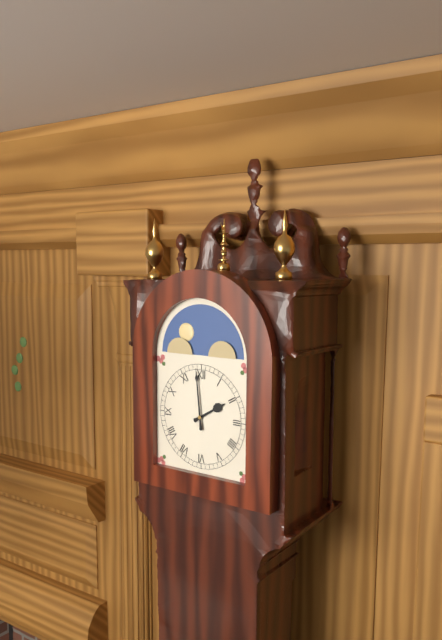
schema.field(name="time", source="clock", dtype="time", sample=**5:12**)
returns **1:59**
